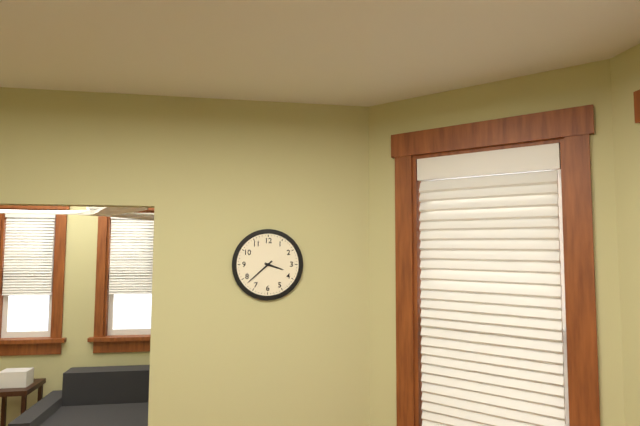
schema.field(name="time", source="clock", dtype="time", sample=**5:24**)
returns **3:38**
